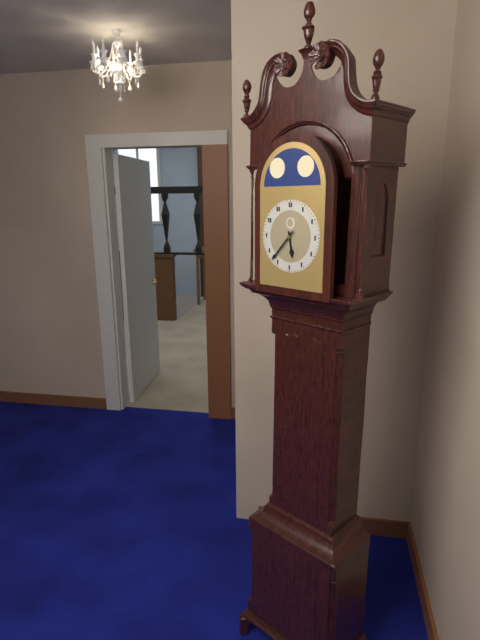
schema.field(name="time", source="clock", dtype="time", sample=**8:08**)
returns **5:37**
